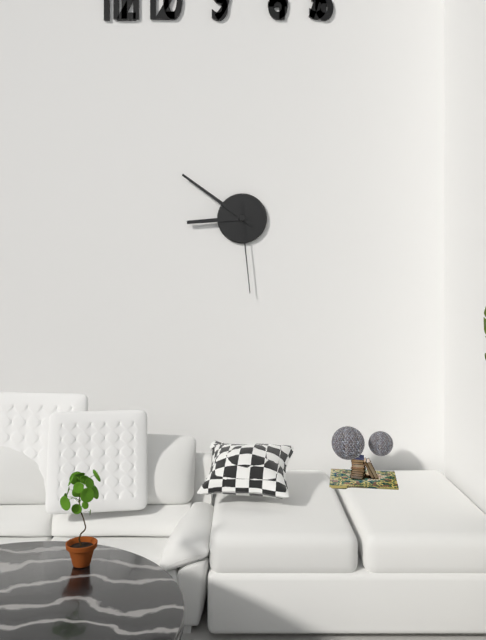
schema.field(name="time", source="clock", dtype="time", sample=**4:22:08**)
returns **8:51:29**
